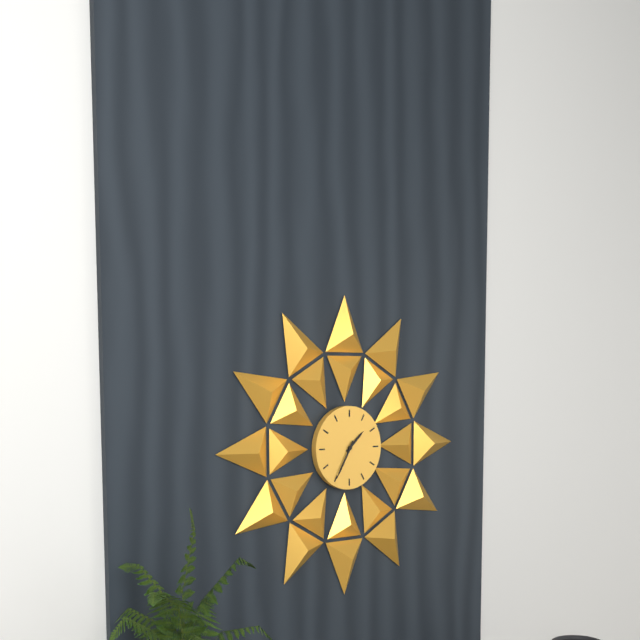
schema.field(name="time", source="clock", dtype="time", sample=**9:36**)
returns **1:35**
